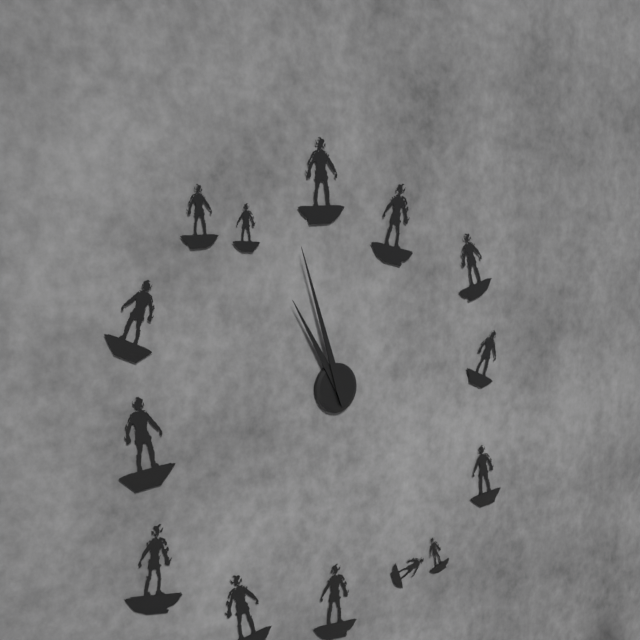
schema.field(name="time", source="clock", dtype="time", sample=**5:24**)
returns **10:57**
